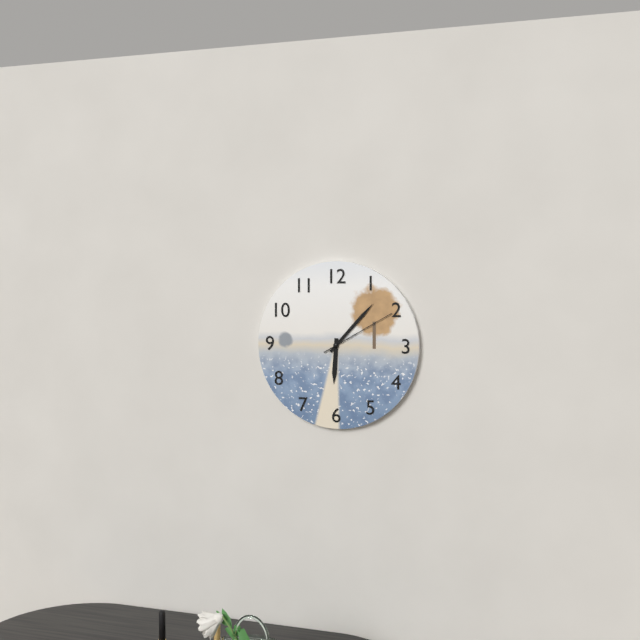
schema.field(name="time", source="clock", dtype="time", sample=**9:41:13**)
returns **6:07:10**
